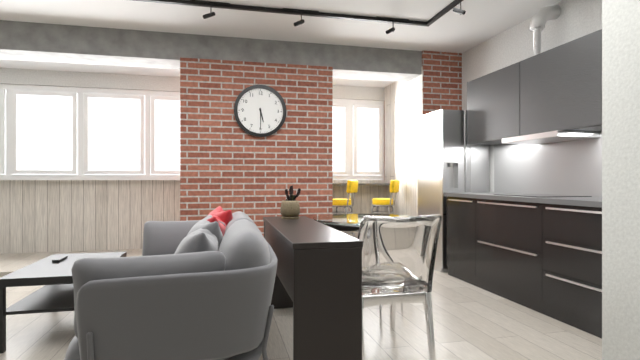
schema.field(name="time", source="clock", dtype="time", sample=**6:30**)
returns **5:30**
